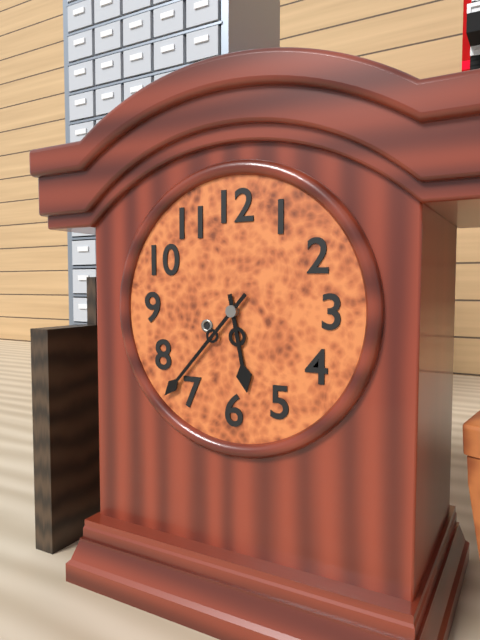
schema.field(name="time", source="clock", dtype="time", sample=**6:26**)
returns **5:37**
